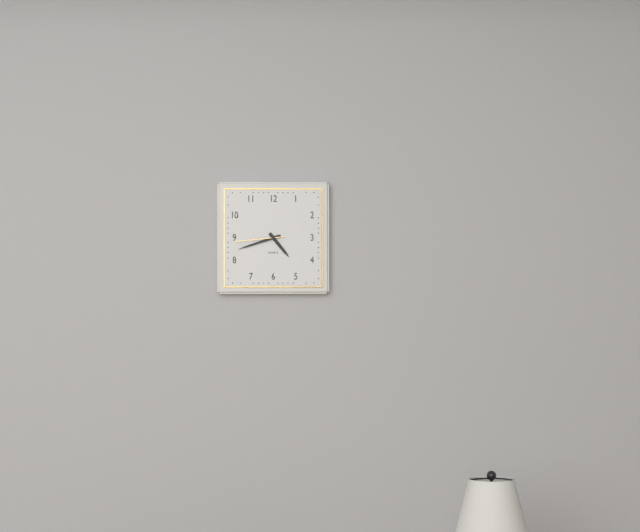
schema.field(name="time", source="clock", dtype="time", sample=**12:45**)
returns **4:42**
